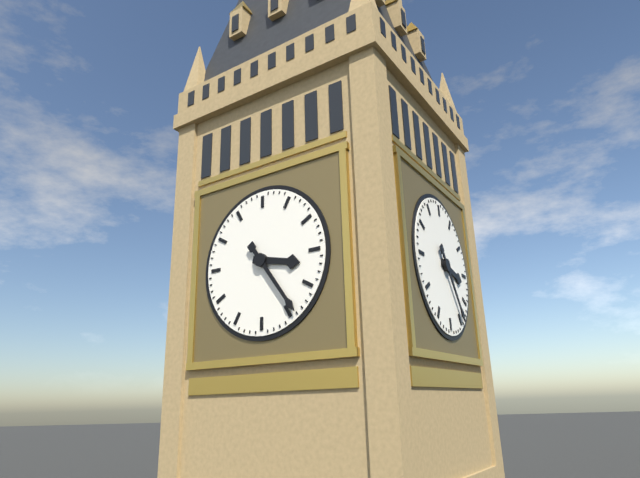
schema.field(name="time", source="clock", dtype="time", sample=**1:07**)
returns **3:24**
